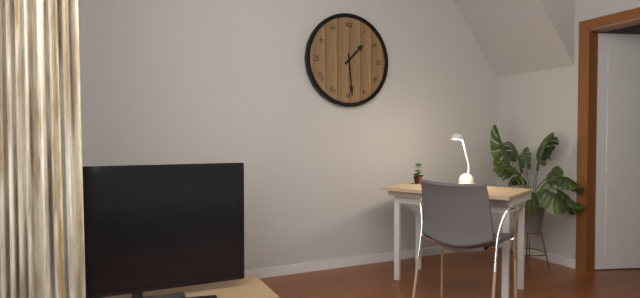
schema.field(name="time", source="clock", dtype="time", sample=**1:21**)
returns **1:29**
